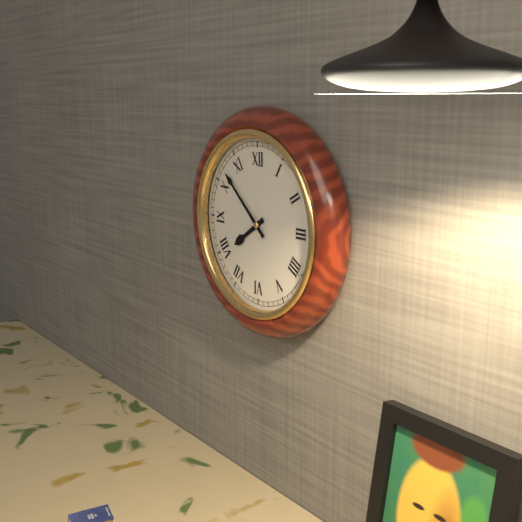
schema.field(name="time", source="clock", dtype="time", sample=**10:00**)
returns **7:52**
